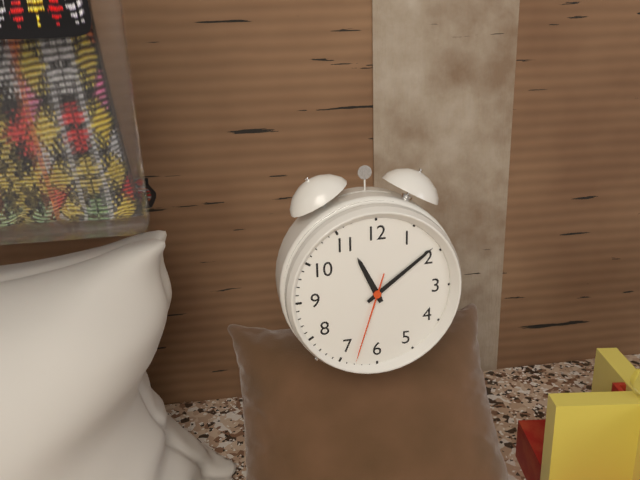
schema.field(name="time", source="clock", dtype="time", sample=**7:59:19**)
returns **11:09:33**
